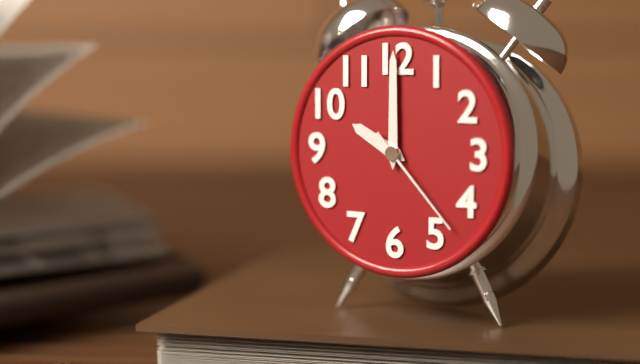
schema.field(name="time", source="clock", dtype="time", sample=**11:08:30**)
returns **10:00:23**
